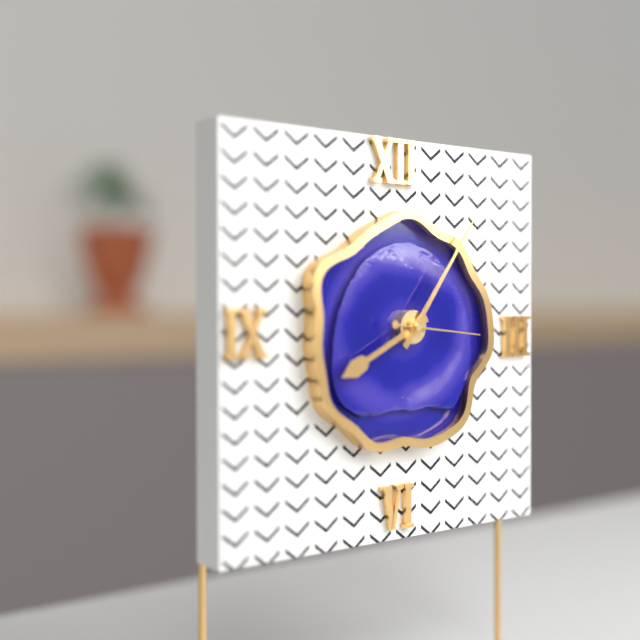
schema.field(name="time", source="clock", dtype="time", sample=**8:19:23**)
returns **8:06:16**
